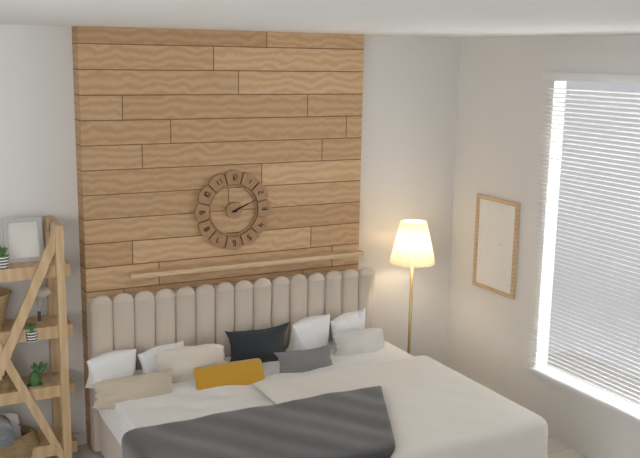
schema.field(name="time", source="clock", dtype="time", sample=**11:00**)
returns **2:11**
